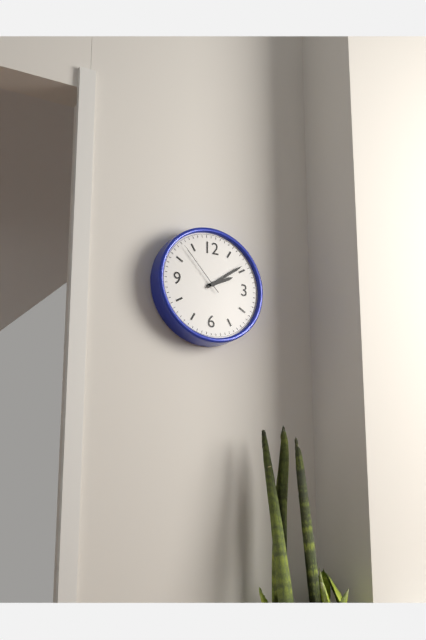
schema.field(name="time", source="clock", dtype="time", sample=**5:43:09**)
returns **2:09:53**
